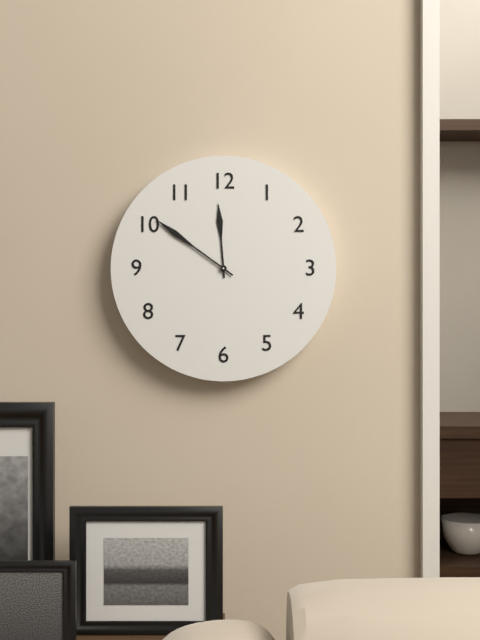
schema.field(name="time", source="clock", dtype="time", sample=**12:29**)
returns **11:51**
